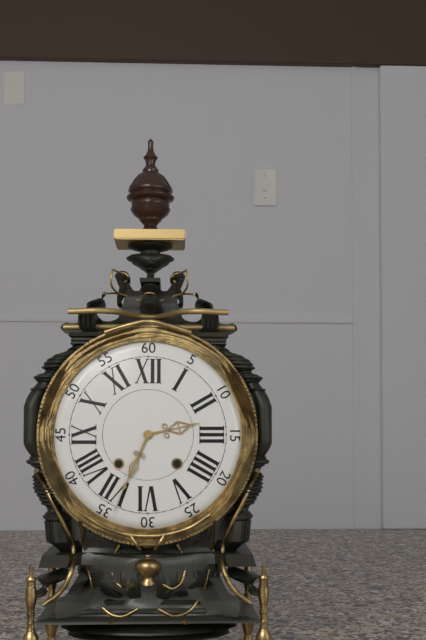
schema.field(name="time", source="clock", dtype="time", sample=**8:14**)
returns **2:34**
